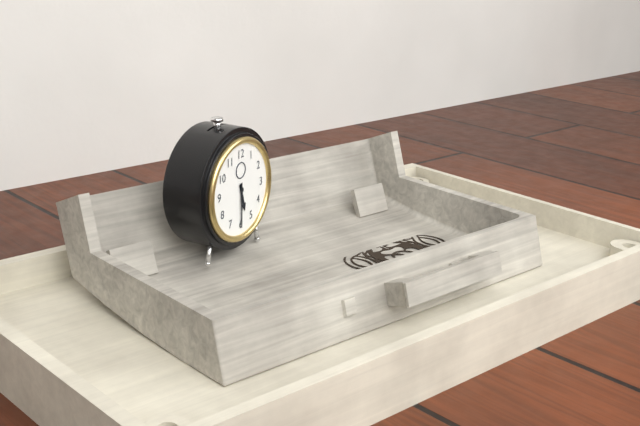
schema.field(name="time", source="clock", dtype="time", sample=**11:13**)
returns **5:30**
